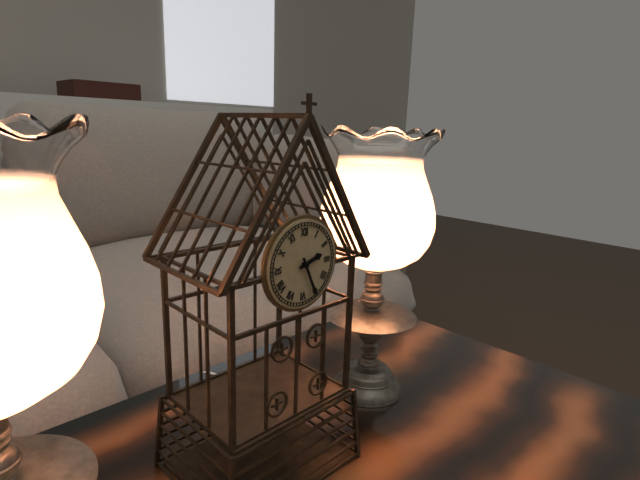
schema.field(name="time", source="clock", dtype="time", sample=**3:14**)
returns **2:26**
